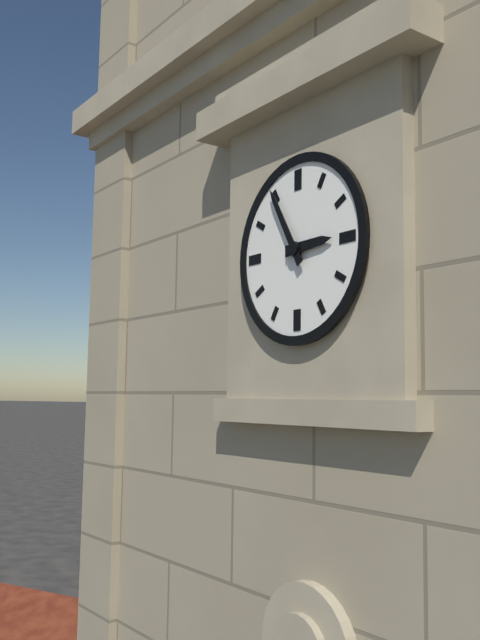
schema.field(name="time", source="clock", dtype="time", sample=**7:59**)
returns **2:55**
